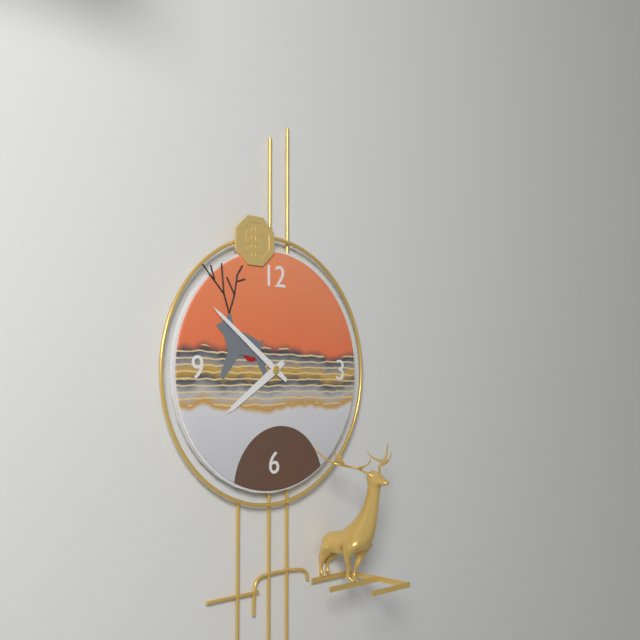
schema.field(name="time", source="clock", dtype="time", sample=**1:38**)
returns **7:51**
